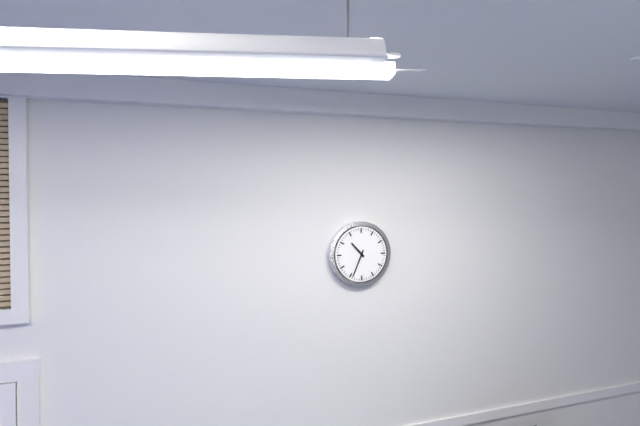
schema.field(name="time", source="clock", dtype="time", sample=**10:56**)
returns **10:34**
